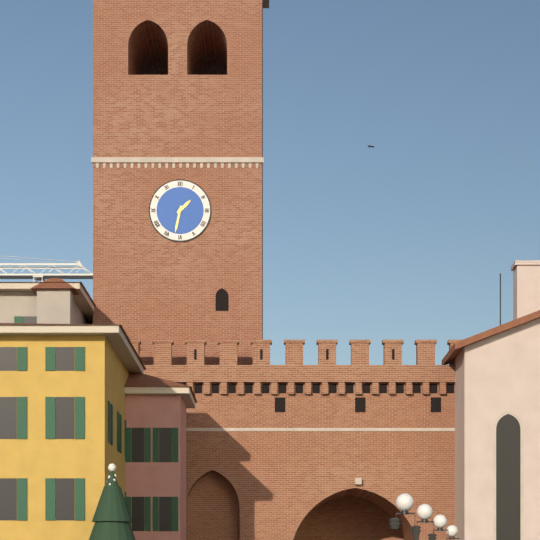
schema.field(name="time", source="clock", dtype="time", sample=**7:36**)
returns **1:32**
